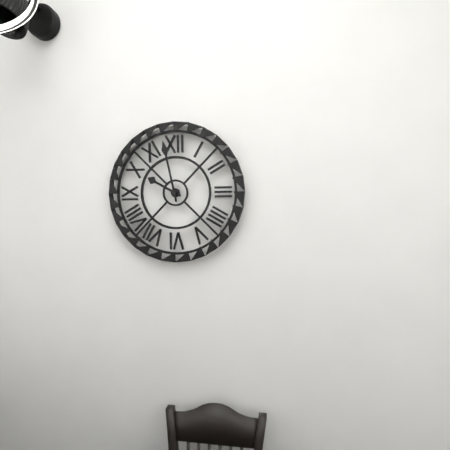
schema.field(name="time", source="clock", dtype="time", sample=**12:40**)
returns **9:58**
